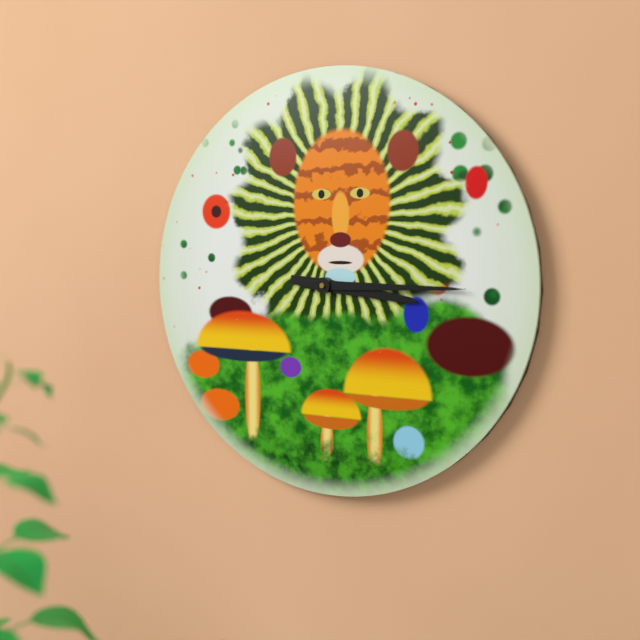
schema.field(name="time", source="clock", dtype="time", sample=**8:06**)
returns **3:15**
